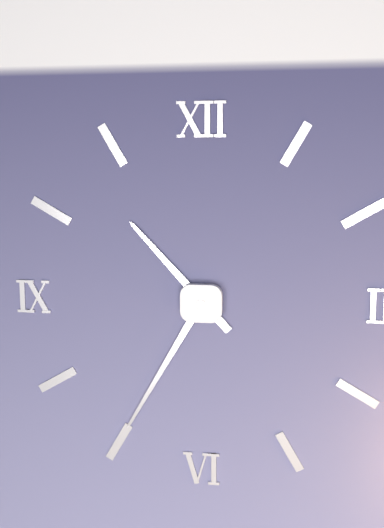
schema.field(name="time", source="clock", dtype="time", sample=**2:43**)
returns **10:35**
